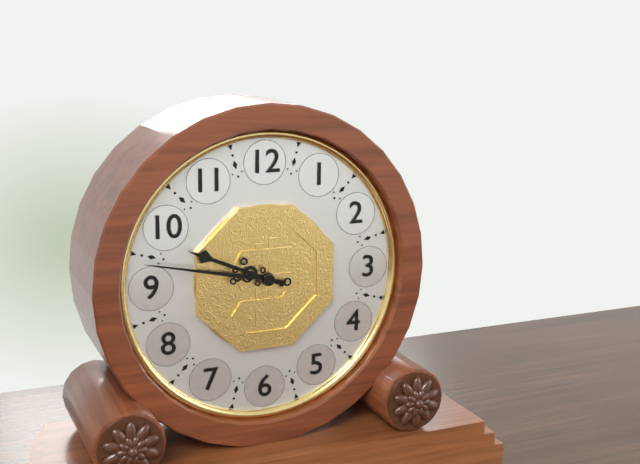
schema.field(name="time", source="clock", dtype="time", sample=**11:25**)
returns **9:47**
